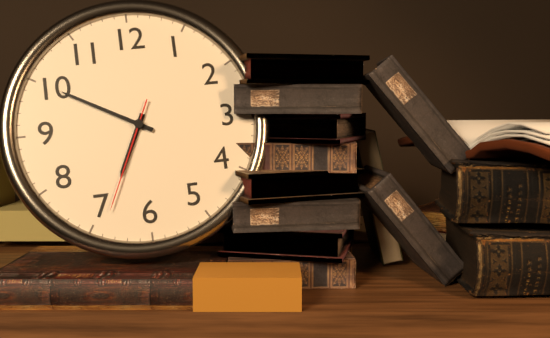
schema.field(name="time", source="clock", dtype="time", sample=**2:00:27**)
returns **6:50:34**
